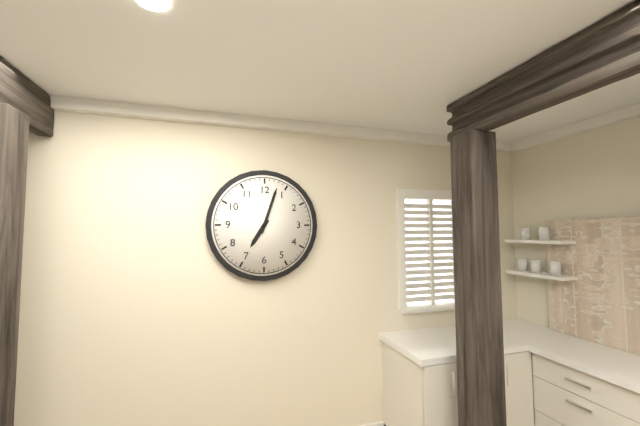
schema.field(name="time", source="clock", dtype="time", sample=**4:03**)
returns **7:03**
